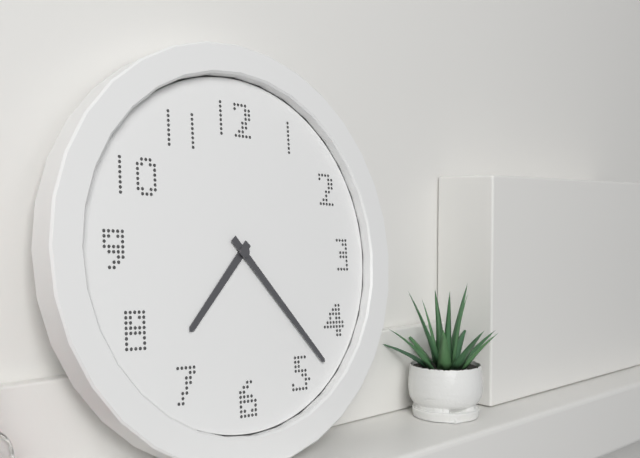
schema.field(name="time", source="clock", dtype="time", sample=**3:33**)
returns **7:23**
